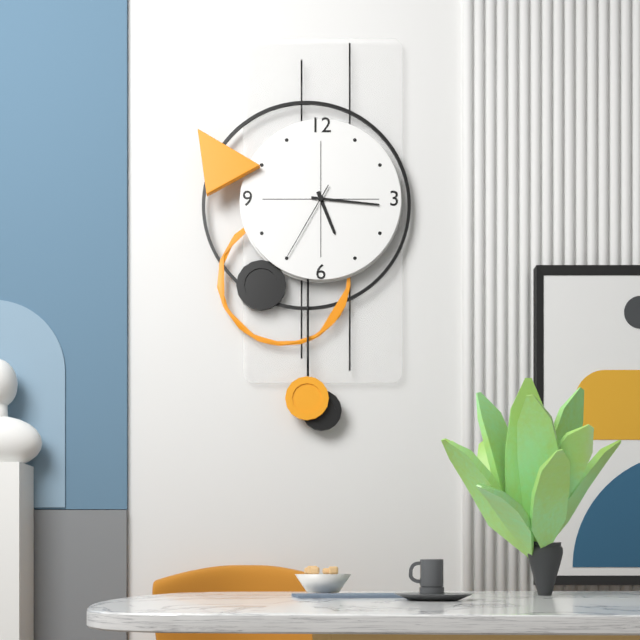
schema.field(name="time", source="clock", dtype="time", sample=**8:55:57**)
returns **5:16:35**
